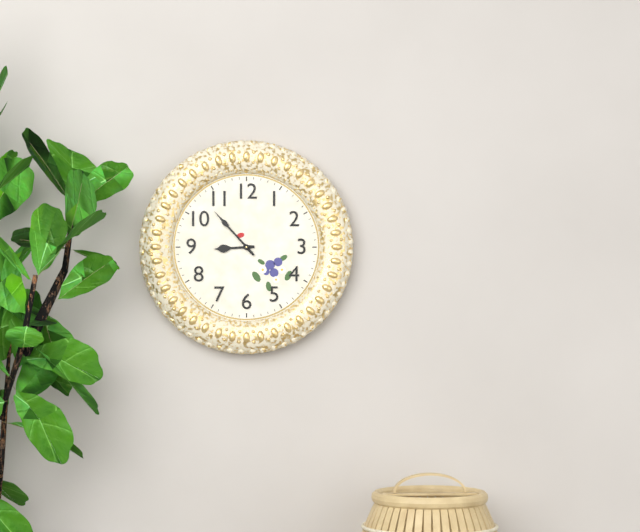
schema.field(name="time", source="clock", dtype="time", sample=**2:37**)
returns **8:53**
